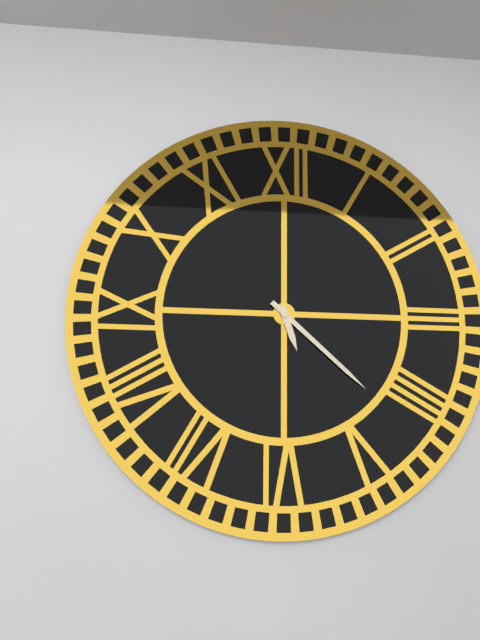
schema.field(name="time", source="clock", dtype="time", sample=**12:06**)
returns **5:22**
